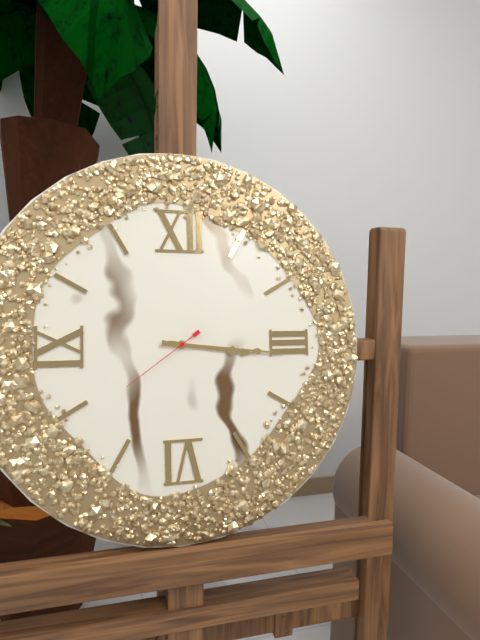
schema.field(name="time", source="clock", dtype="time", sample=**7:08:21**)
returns **3:16:39**
